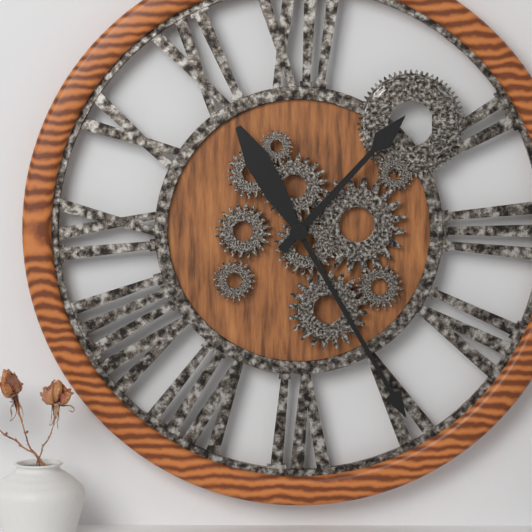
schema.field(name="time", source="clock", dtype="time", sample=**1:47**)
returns **1:25**
